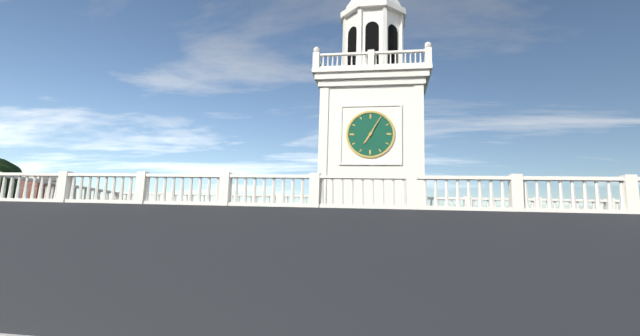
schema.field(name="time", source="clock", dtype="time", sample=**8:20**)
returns **7:05**
